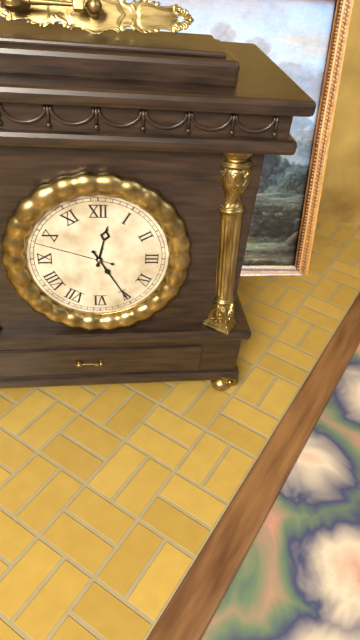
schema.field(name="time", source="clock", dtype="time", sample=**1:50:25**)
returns **12:25:48**
